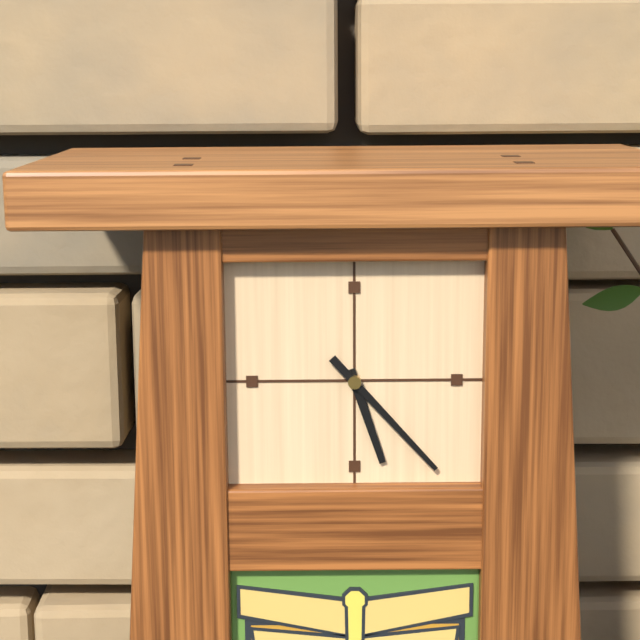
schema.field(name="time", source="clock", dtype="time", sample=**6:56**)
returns **5:23**
